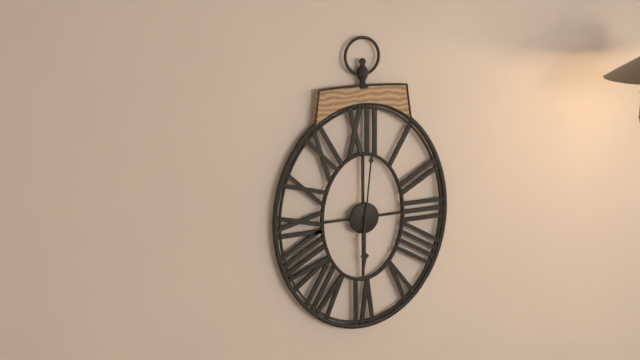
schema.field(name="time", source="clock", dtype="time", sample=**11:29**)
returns **6:01**
